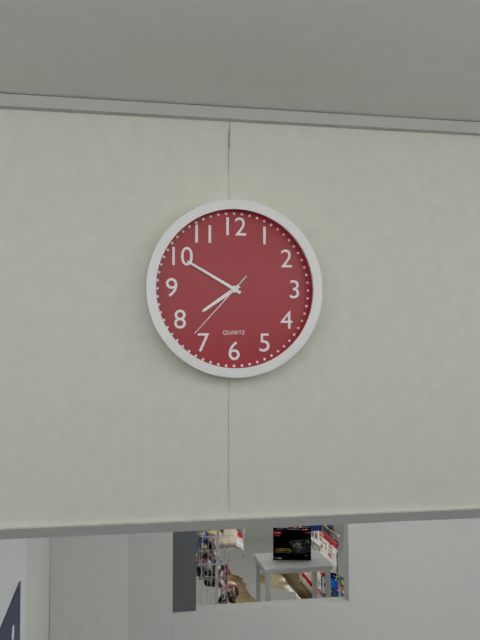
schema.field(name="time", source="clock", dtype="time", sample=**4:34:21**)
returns **7:50:37**
